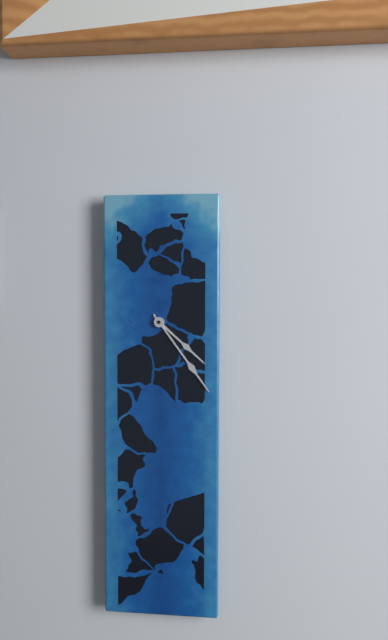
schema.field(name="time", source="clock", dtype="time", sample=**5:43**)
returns **4:24**
